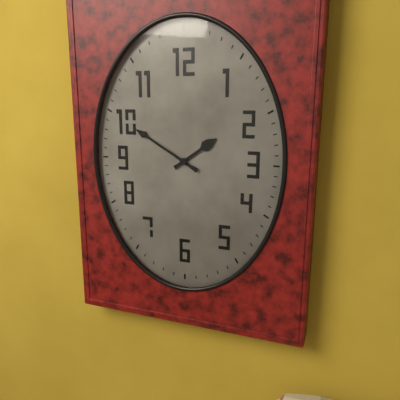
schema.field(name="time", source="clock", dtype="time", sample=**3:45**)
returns **1:50**
